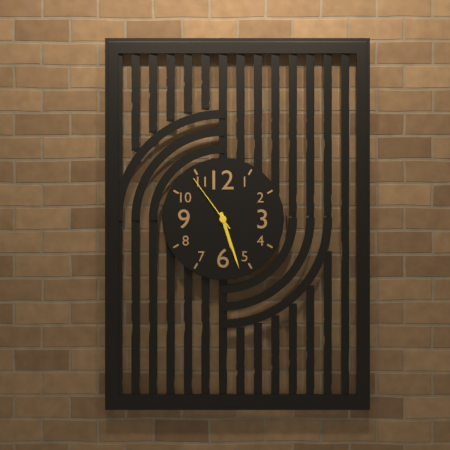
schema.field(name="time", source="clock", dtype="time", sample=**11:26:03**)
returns **5:27:54**
